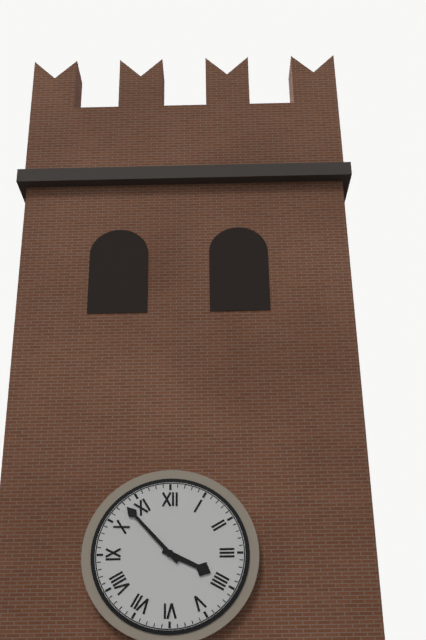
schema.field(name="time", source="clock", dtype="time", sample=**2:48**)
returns **3:53**
